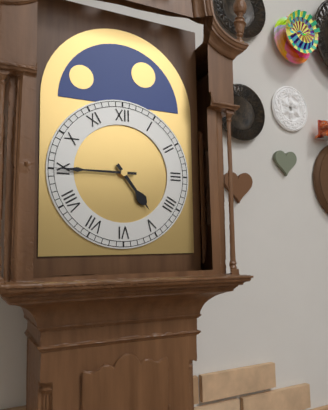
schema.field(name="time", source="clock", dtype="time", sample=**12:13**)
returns **4:45**
